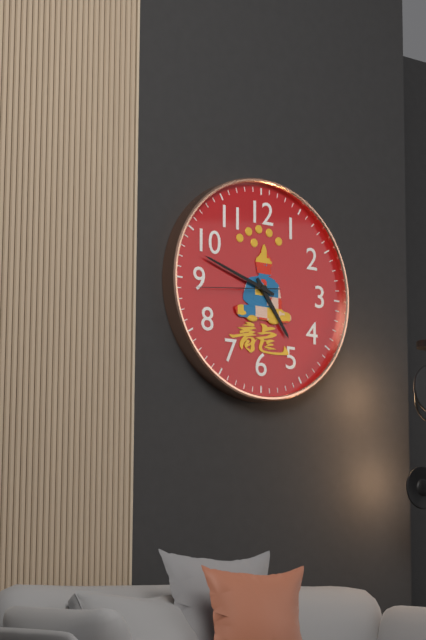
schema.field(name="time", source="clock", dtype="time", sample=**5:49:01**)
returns **4:48:44**
